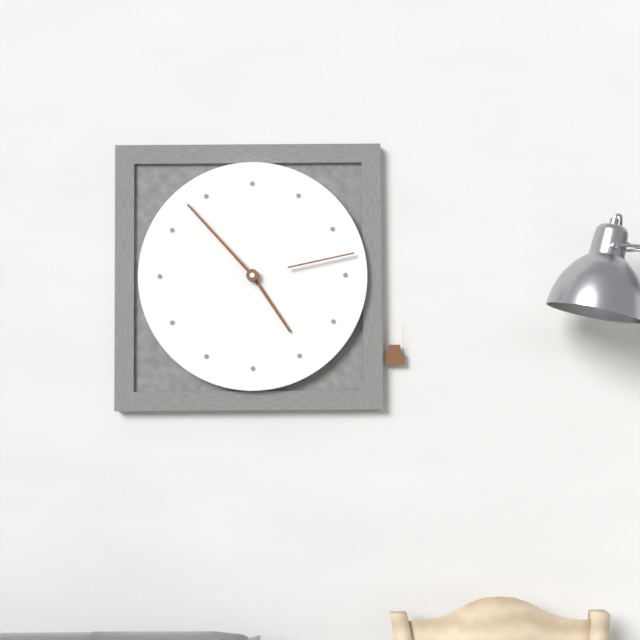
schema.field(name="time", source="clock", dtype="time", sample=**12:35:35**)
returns **4:53:13**
